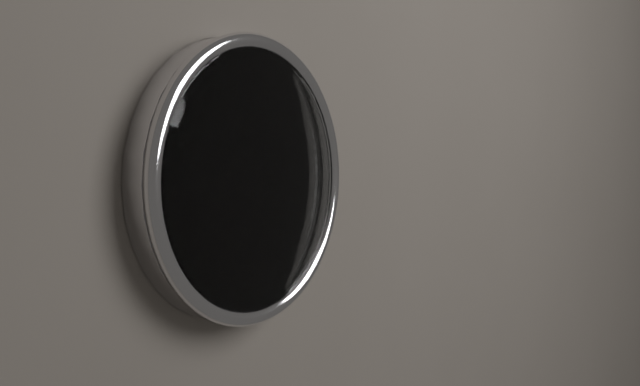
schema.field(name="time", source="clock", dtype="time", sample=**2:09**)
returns **4:25**
